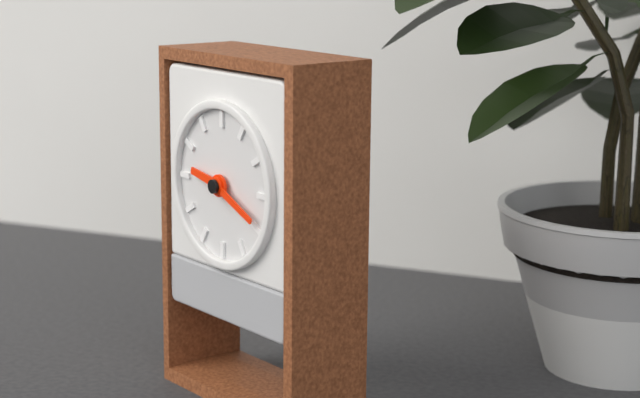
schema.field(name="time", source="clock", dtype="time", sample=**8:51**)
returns **9:19**
